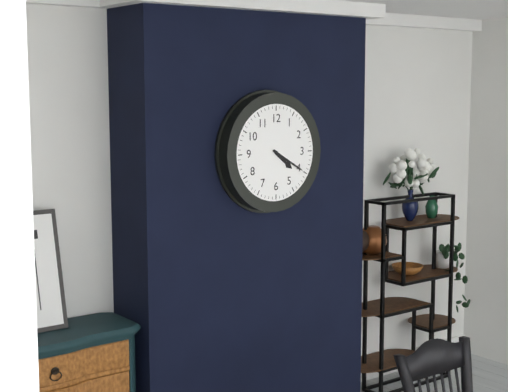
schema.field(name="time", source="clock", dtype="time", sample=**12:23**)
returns **4:20**
